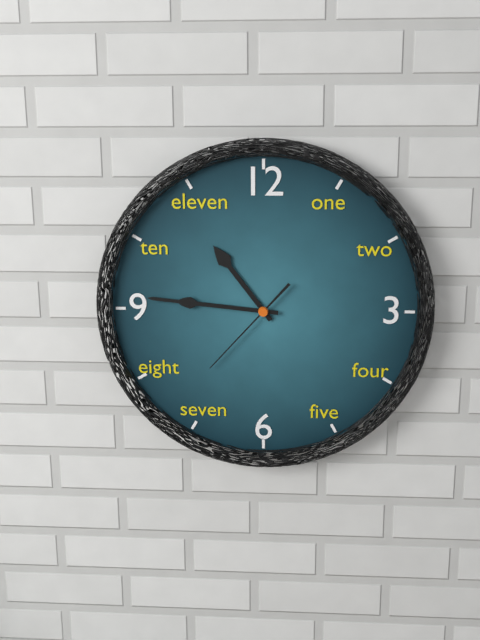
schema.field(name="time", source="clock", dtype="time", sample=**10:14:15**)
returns **10:46:37**
